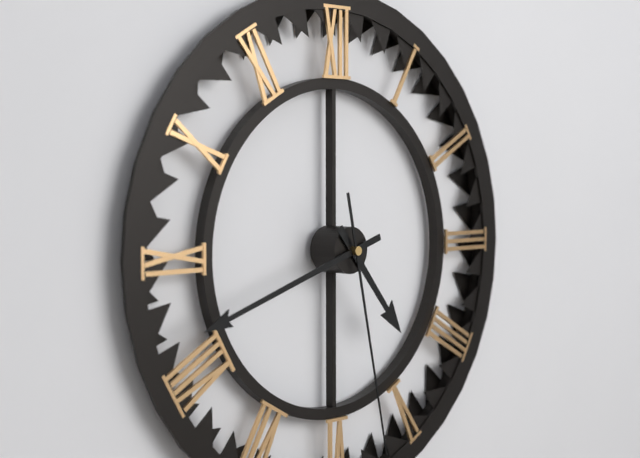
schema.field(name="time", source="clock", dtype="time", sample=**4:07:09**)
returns **4:42:28**
